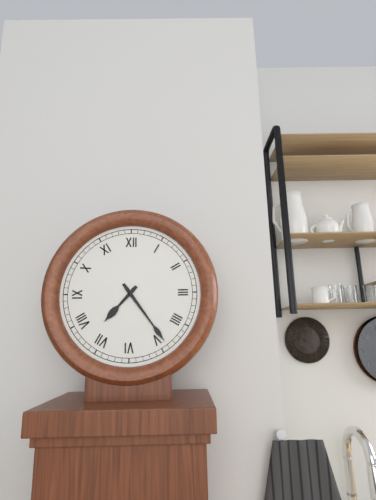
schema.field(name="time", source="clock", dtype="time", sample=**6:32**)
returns **7:24**
